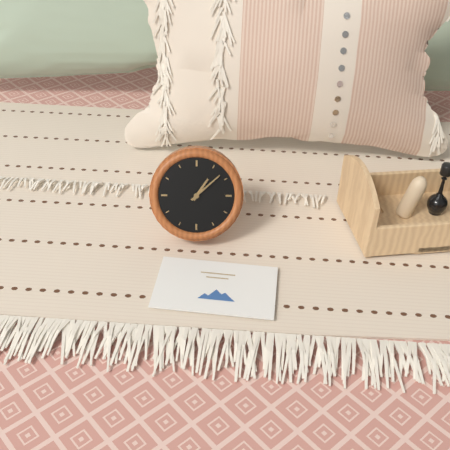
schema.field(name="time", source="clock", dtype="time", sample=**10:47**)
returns **1:08**
